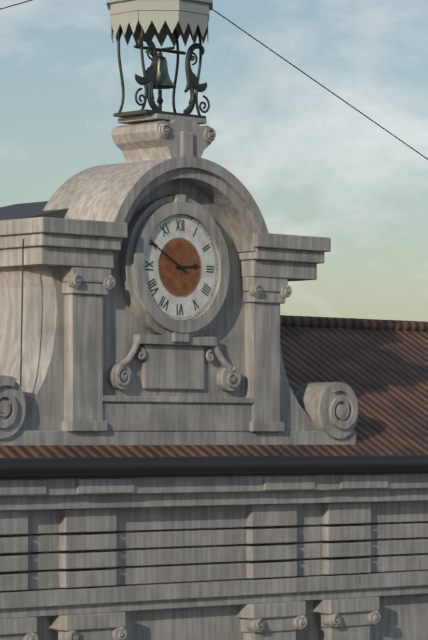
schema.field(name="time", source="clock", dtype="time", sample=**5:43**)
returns **2:50**
